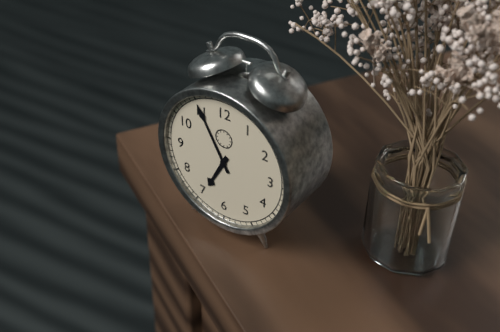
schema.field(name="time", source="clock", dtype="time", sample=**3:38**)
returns **6:55**
